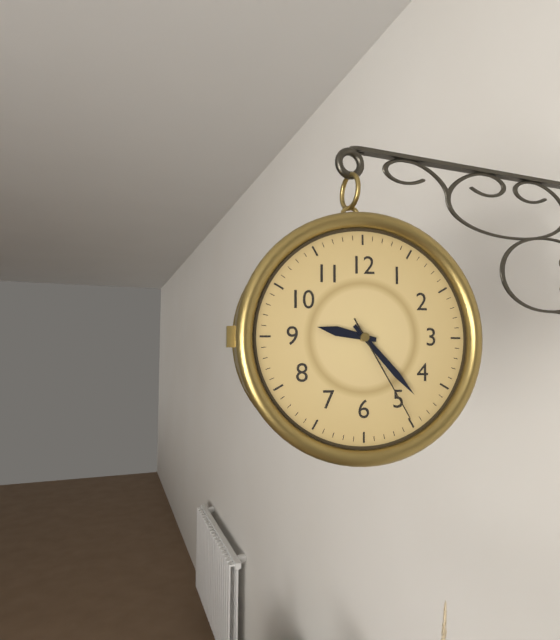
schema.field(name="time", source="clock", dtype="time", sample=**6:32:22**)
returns **9:23:25**
